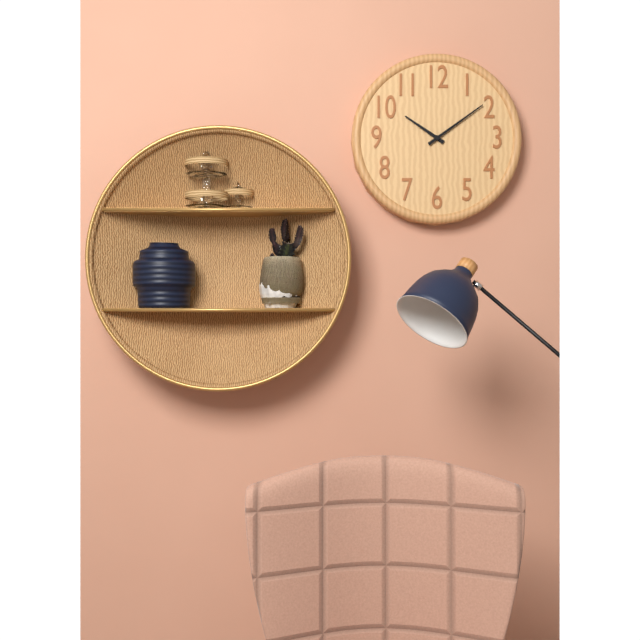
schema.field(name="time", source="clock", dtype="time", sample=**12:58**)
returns **10:09**
